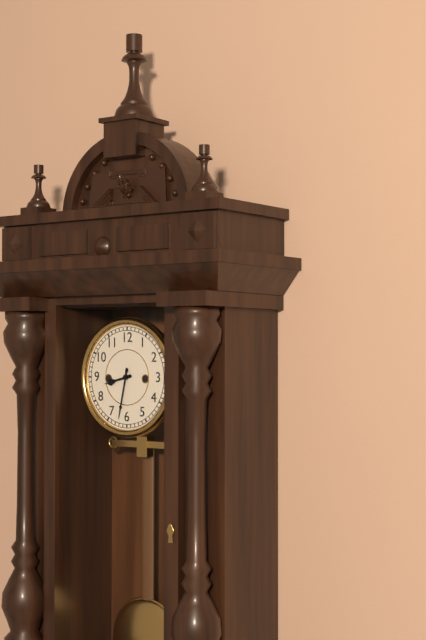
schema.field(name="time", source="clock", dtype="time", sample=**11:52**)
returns **8:32**
